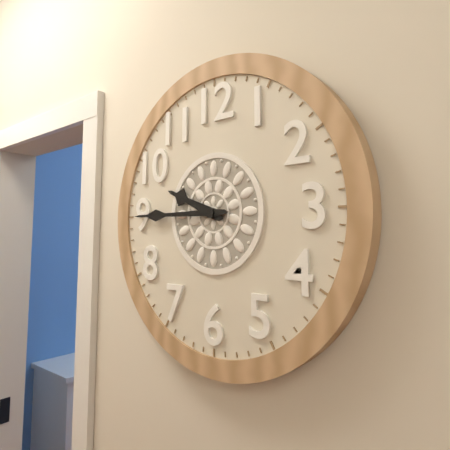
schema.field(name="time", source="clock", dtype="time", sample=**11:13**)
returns **9:45**
